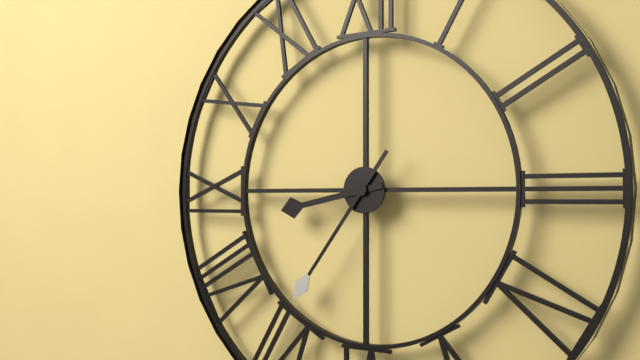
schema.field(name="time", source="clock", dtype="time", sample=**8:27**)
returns **8:36**
